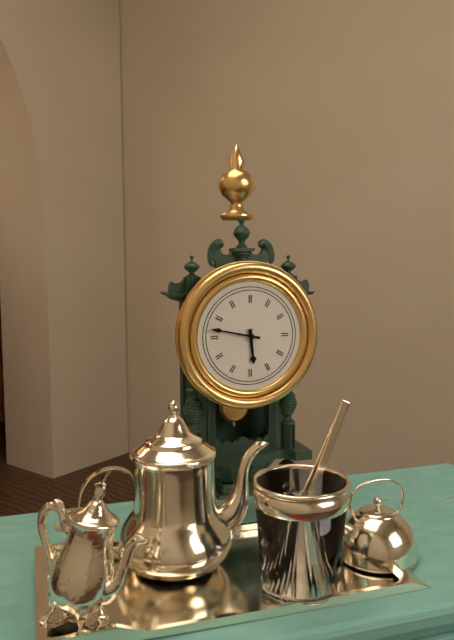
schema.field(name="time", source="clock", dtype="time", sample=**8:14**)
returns **5:47**
